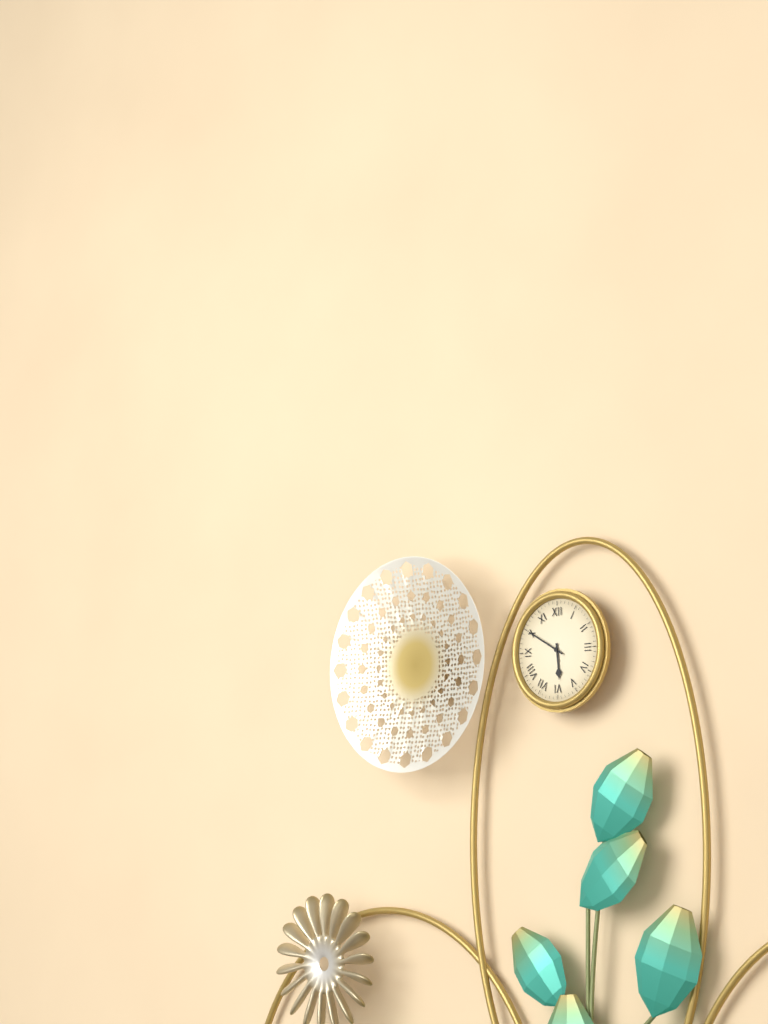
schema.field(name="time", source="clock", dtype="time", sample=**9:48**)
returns **5:50**
